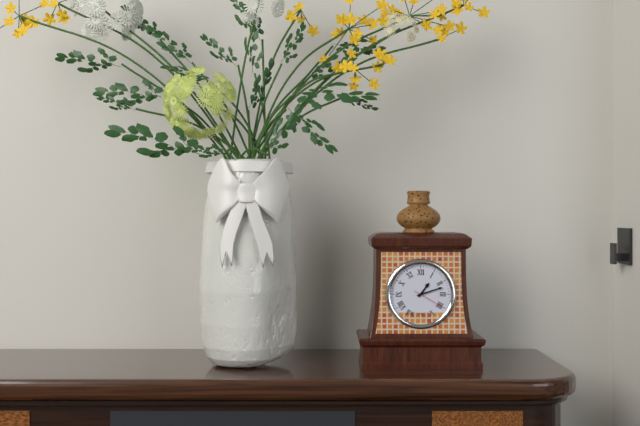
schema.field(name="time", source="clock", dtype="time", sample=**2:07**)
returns **1:12**
